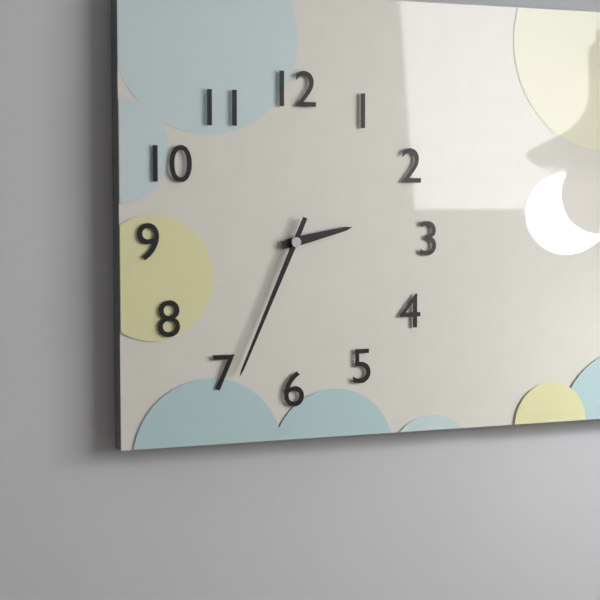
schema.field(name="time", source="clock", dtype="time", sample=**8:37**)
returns **2:34**
